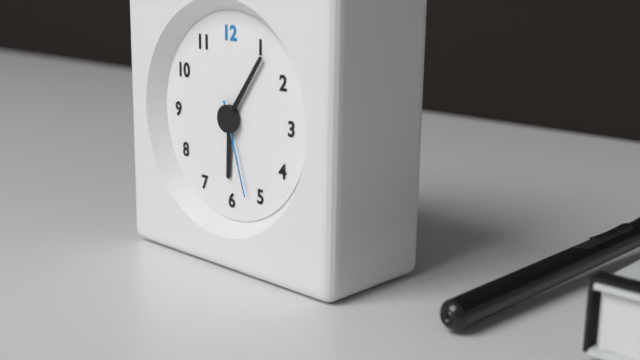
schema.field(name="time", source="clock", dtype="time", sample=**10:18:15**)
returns **6:06:27**
